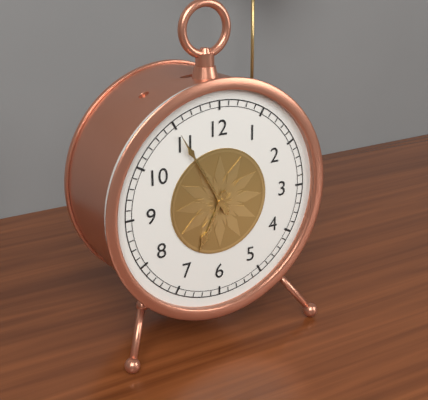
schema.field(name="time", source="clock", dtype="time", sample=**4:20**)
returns **6:55**
